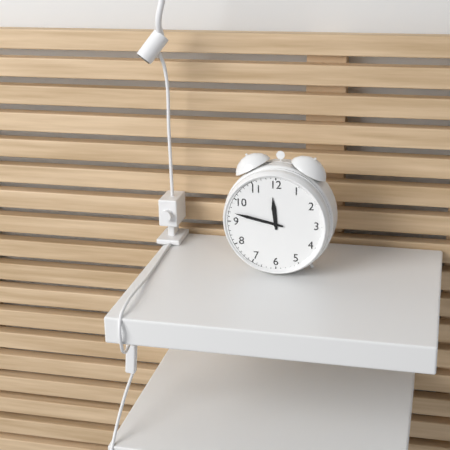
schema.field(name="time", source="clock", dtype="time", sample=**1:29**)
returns **11:47**
